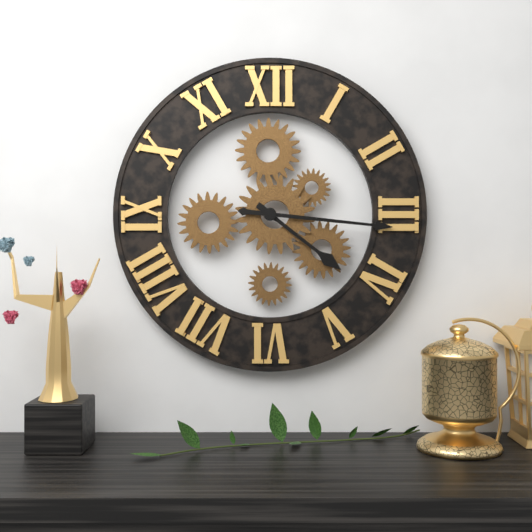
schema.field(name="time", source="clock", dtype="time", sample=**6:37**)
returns **4:16**
